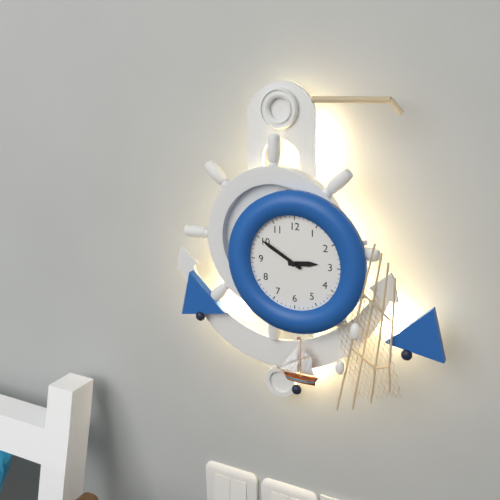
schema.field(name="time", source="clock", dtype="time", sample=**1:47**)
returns **2:50**
